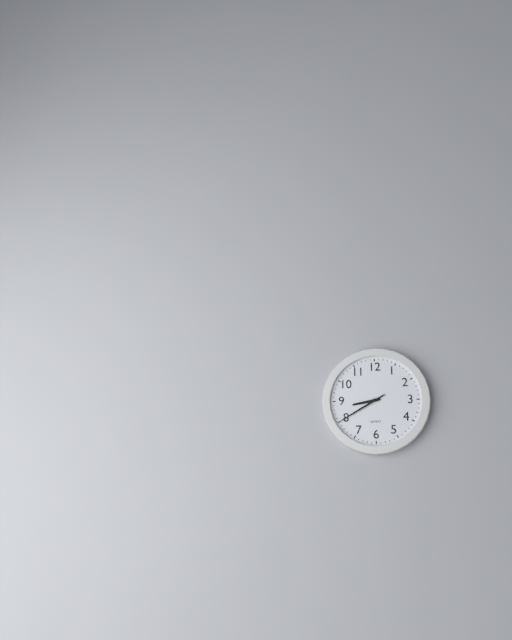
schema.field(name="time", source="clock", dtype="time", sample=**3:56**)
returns **8:40**
